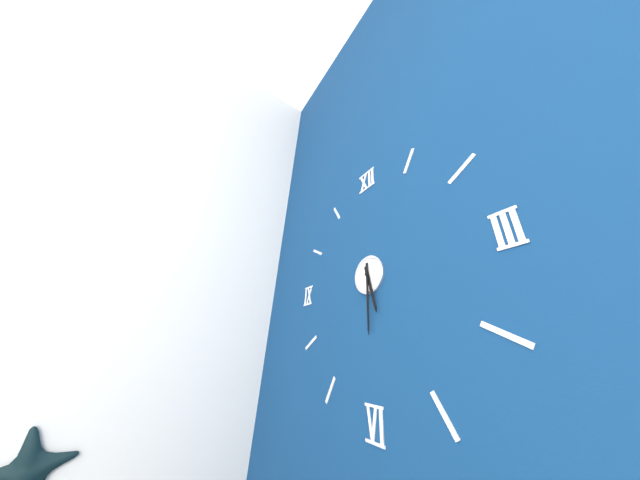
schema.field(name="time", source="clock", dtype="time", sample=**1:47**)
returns **5:30**
